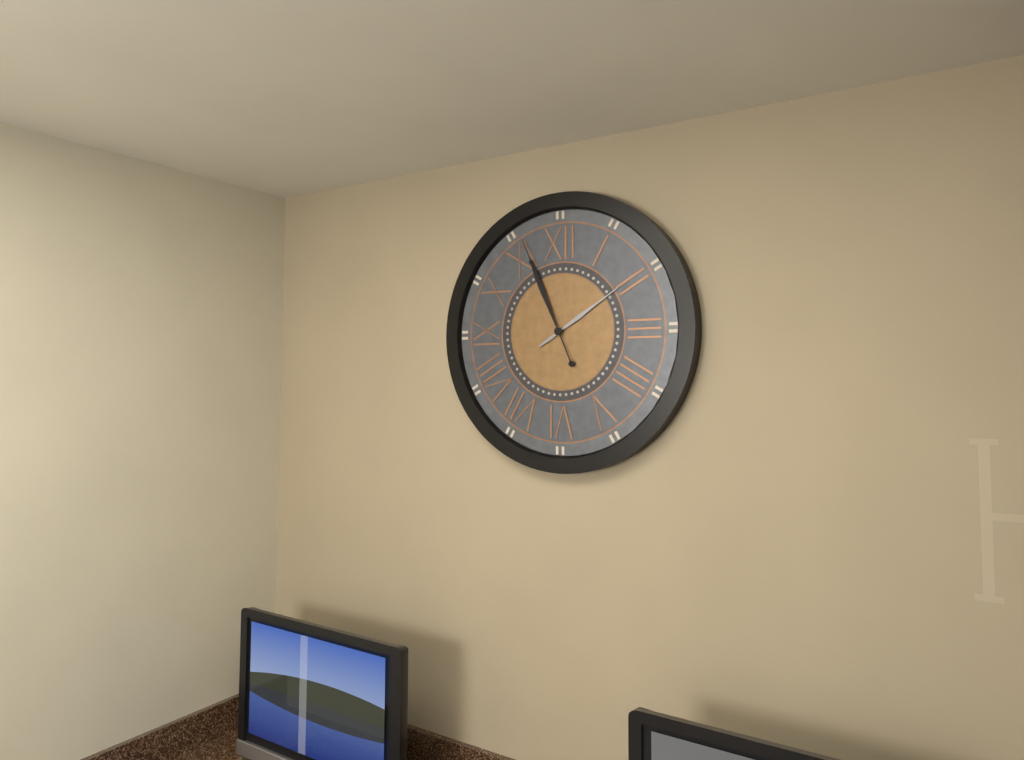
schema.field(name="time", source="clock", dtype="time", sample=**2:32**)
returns **1:56**
